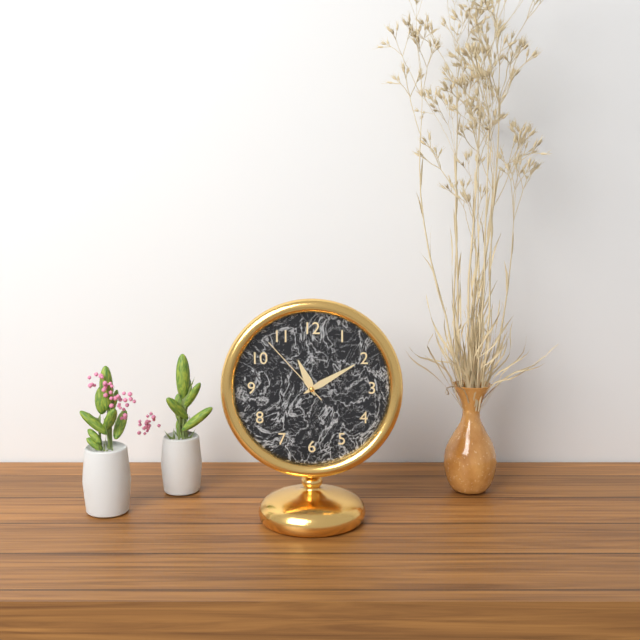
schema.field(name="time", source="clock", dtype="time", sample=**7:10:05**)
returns **11:10:53**
